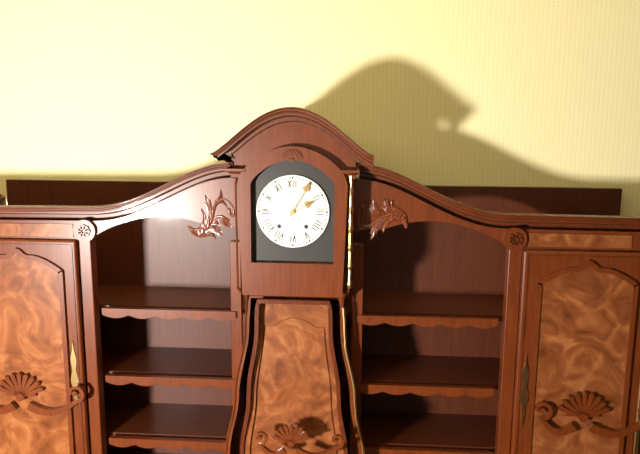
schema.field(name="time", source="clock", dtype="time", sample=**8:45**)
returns **2:05**
